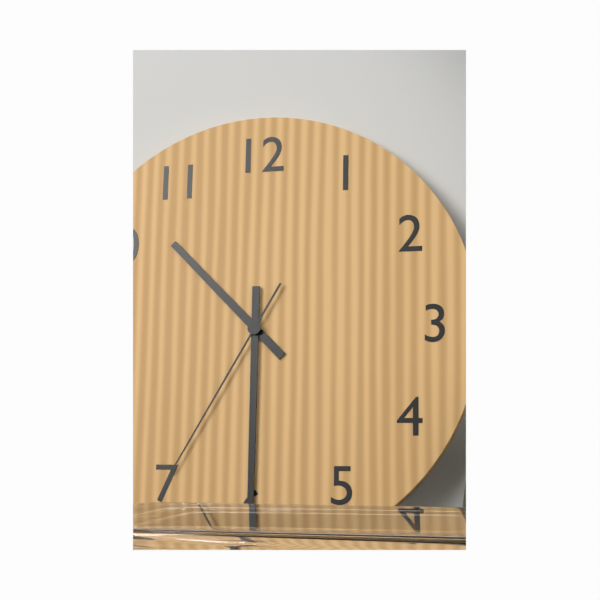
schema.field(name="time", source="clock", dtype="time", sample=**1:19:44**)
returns **10:30:35**
